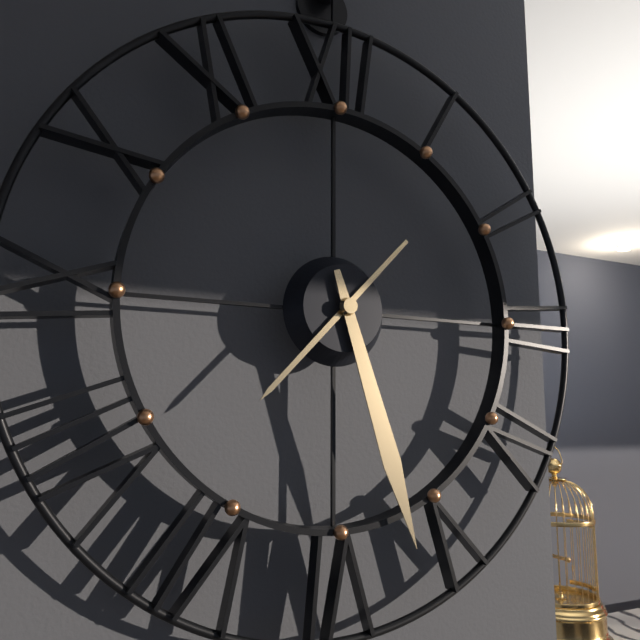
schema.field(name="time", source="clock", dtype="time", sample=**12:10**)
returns **7:27**
